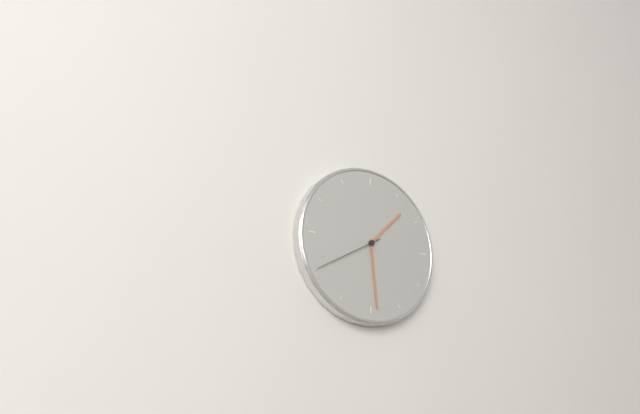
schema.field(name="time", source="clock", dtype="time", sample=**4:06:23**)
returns **1:29:40**
